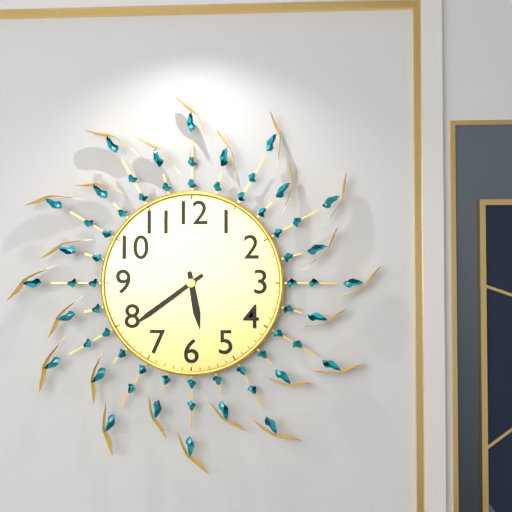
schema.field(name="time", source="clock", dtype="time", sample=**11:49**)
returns **5:39**
